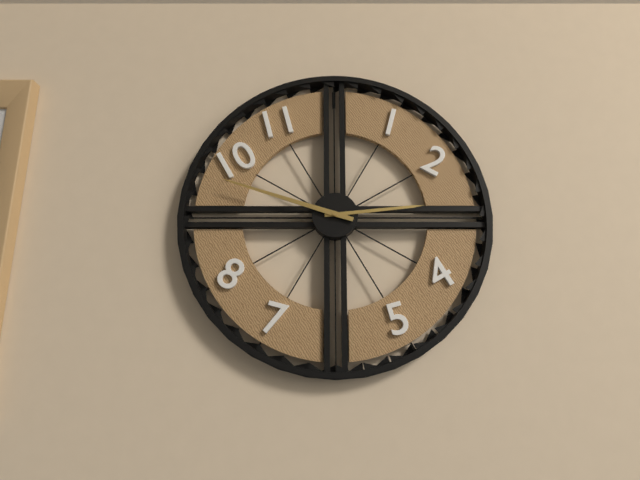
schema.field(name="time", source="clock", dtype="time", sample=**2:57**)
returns **2:48**
